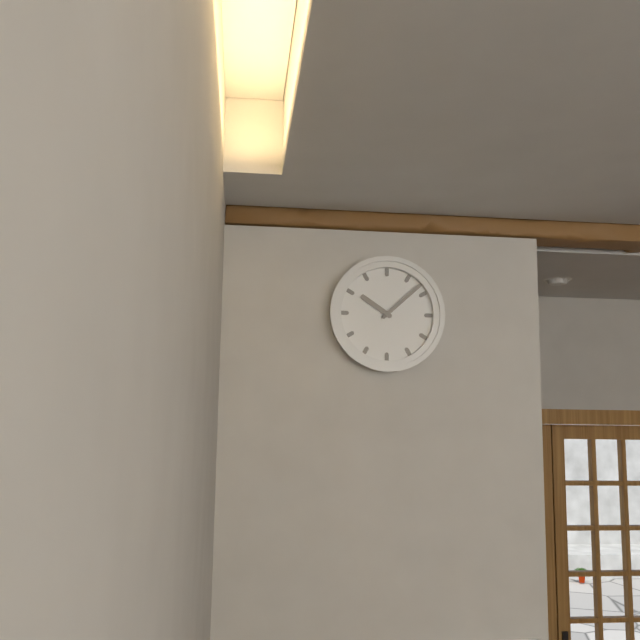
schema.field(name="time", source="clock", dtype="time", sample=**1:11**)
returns **10:08**
